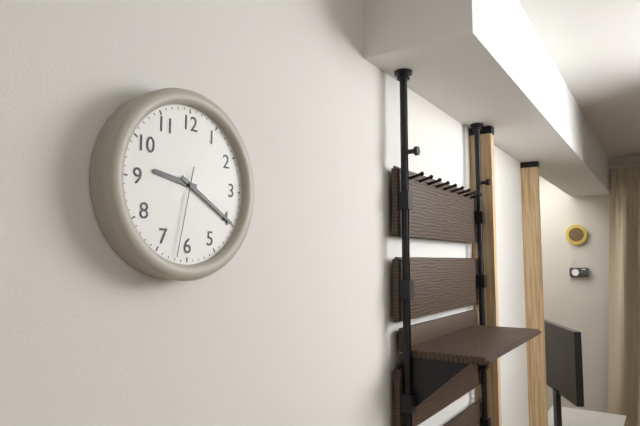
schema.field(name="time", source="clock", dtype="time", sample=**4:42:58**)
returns **9:20:32**
